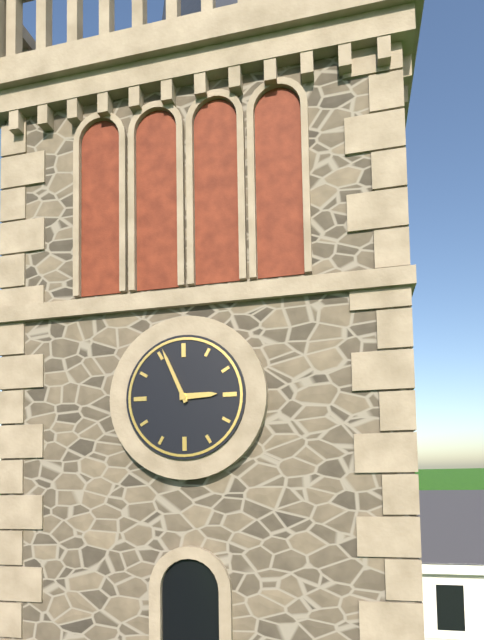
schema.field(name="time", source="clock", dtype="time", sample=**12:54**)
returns **2:56**
